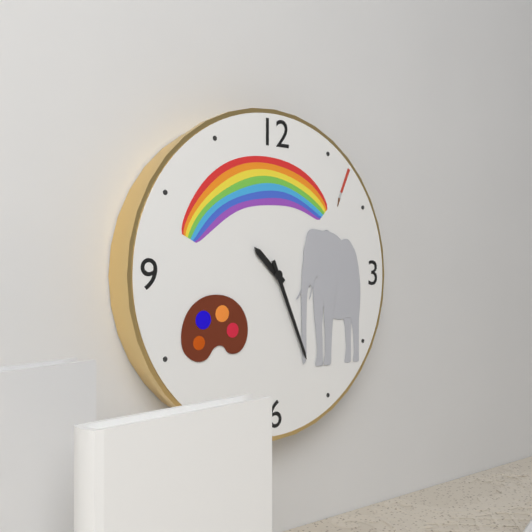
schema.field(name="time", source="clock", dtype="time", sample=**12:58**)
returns **10:26**
